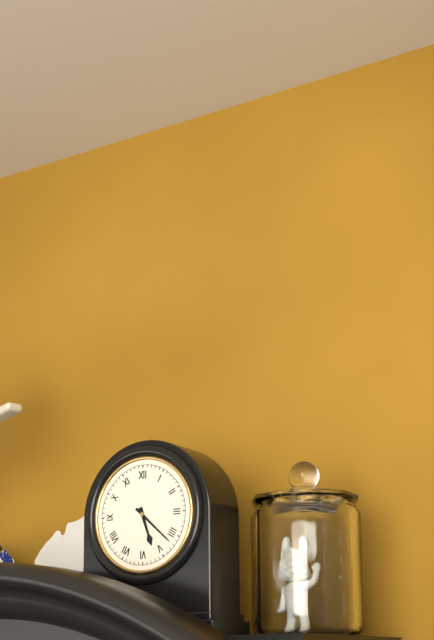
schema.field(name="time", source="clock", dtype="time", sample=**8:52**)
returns **5:22**
